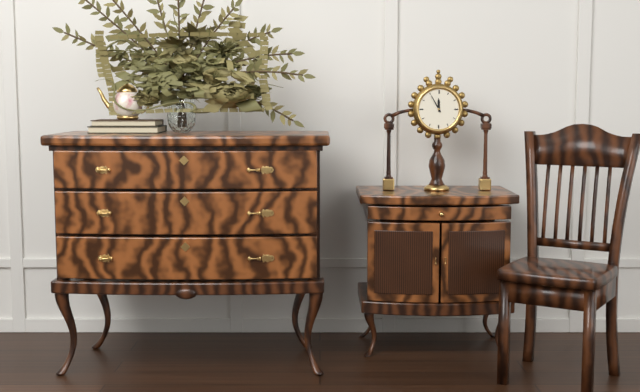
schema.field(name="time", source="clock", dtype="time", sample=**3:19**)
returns **11:55**
